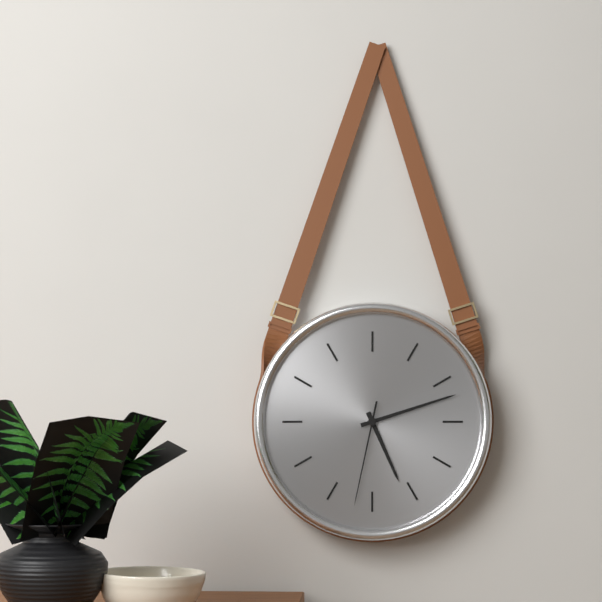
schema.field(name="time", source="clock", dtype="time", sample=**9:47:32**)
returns **5:12:32**
